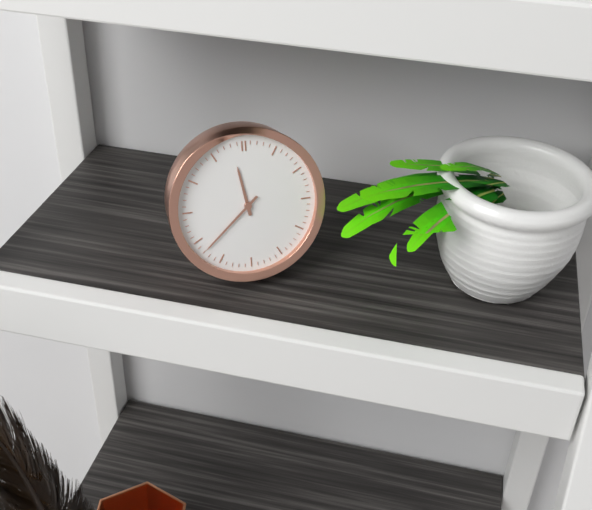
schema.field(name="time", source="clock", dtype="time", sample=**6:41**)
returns **11:38**
